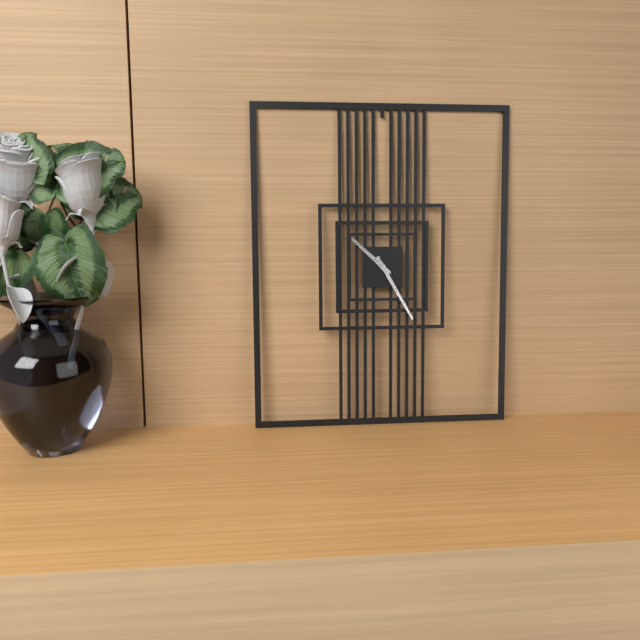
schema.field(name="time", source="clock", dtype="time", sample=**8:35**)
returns **10:25**
